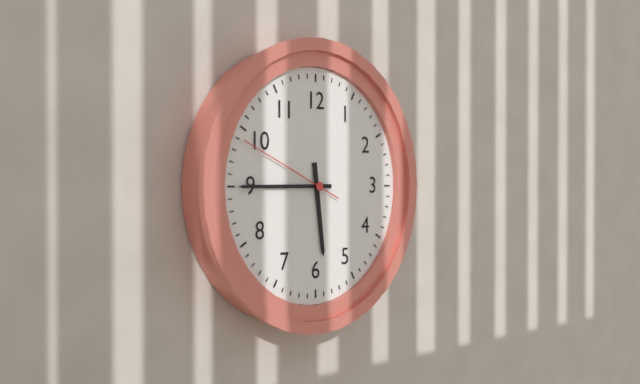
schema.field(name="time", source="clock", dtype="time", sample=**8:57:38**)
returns **5:45:49**
